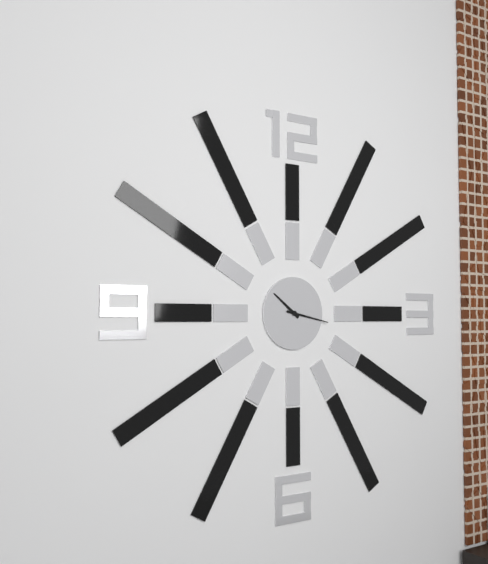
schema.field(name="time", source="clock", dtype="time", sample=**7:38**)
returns **10:17**
